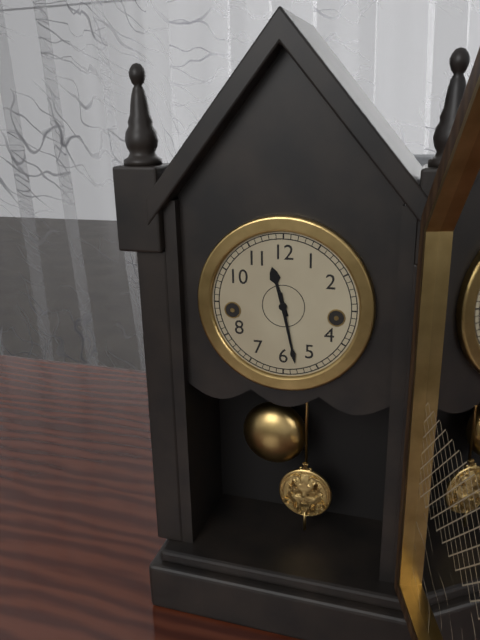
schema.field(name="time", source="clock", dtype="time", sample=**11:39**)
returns **11:28**
